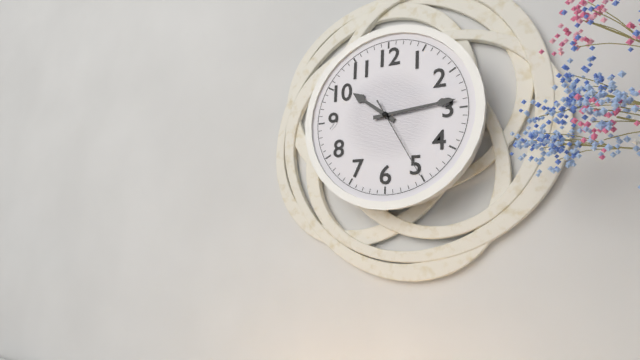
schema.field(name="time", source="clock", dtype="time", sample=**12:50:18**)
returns **10:14:25**
